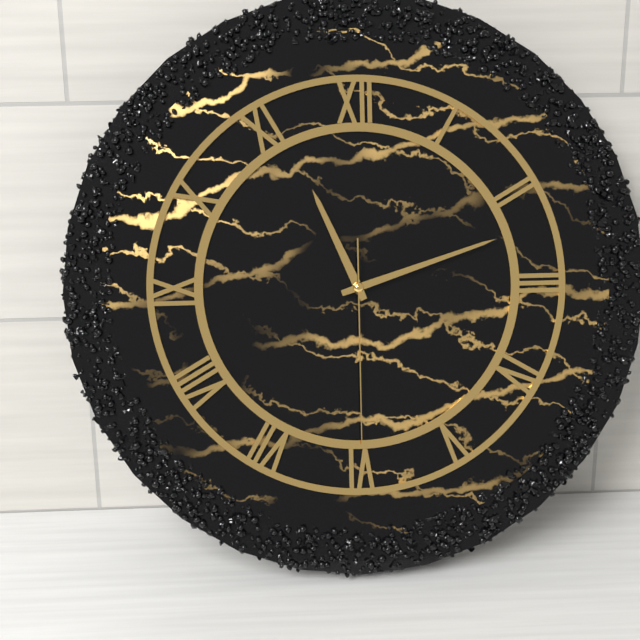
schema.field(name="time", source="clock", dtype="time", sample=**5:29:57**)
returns **11:12:30**
